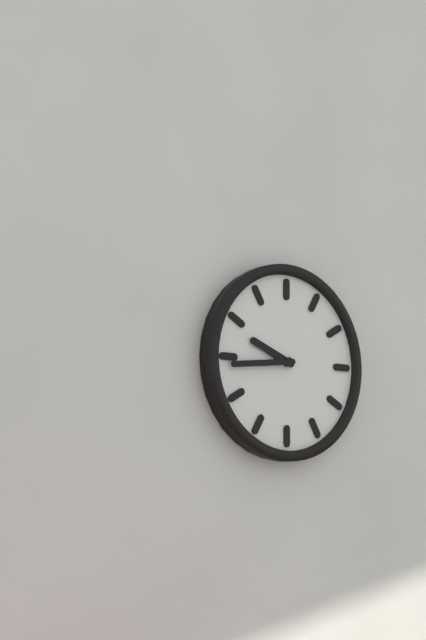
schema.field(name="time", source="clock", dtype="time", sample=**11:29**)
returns **9:44**
